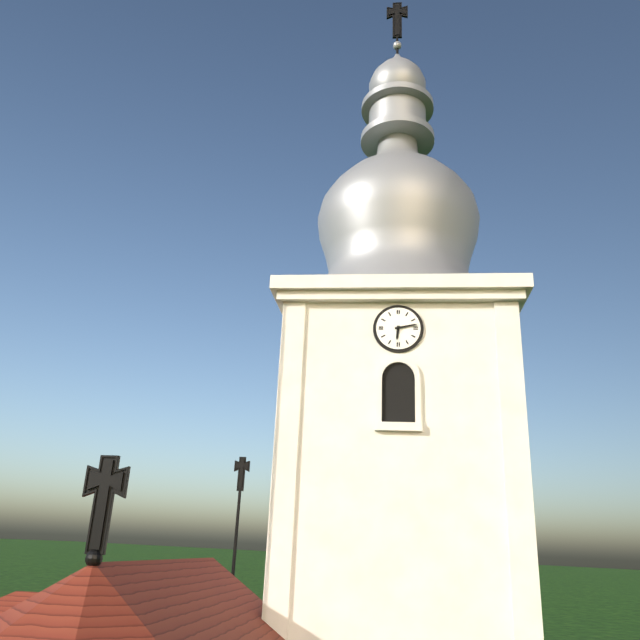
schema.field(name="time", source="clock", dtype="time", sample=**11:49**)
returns **6:13**
